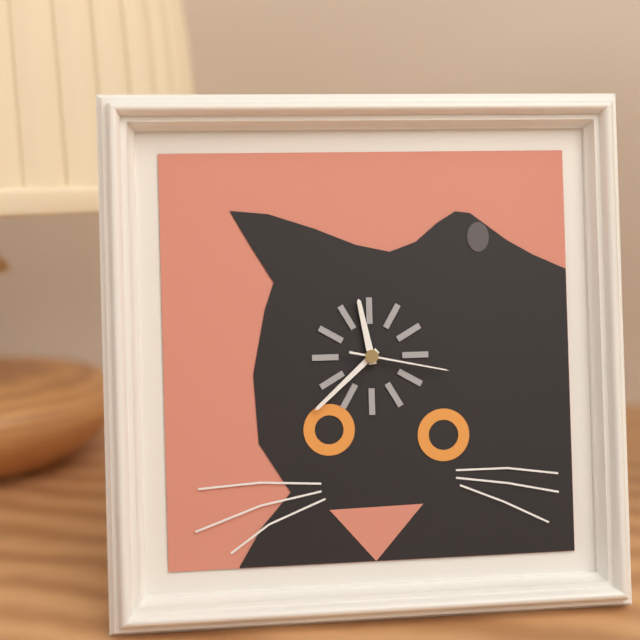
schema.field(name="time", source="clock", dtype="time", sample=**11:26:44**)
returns **11:38:17**
